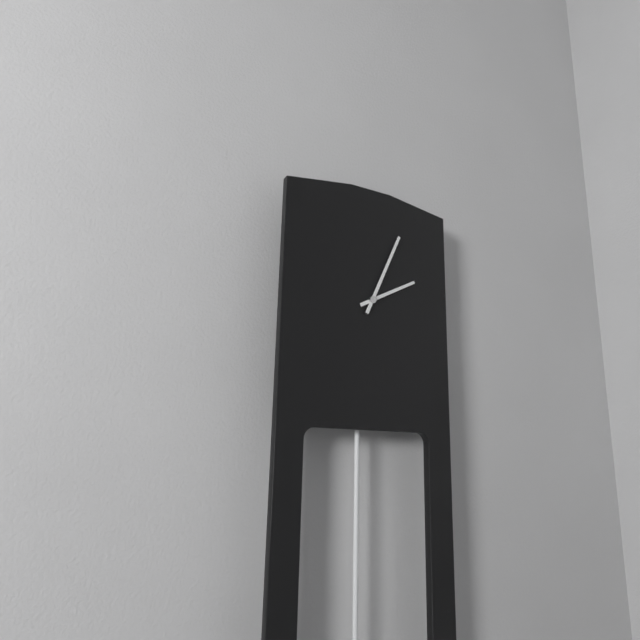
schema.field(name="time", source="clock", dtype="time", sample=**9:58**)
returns **2:04**
